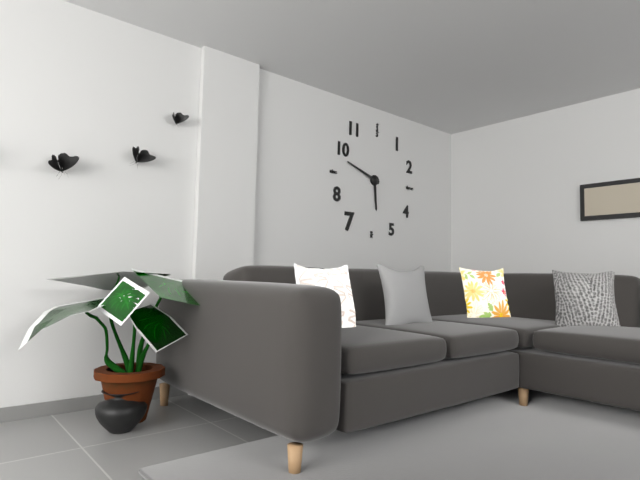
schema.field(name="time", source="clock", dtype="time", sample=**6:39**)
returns **5:48**
